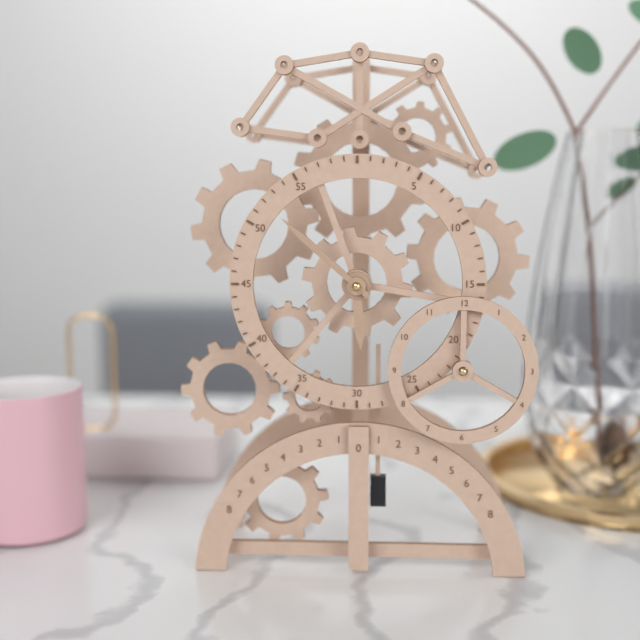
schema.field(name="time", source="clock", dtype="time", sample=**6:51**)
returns **5:52**
